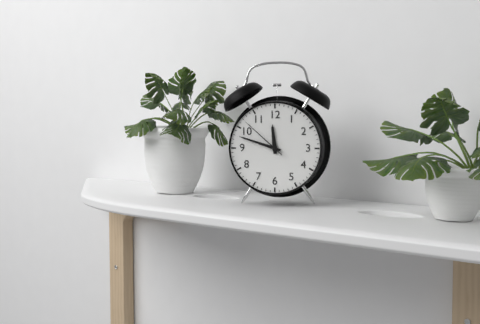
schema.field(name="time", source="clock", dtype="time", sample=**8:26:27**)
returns **11:48:52**
